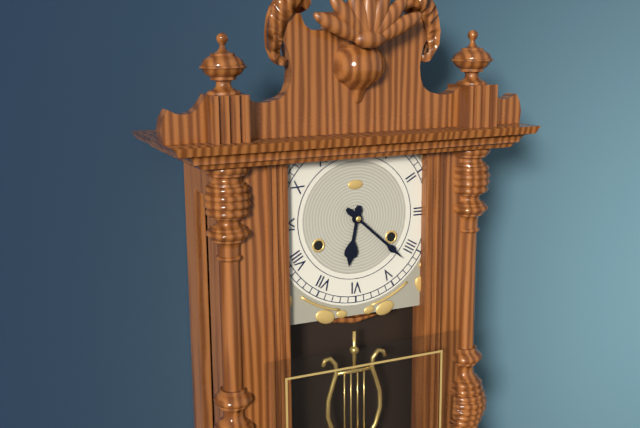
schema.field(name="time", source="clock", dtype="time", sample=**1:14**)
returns **6:22**
